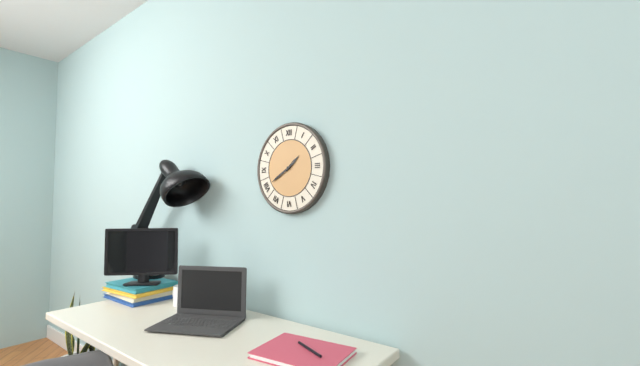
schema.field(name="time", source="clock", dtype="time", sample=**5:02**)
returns **1:40**
